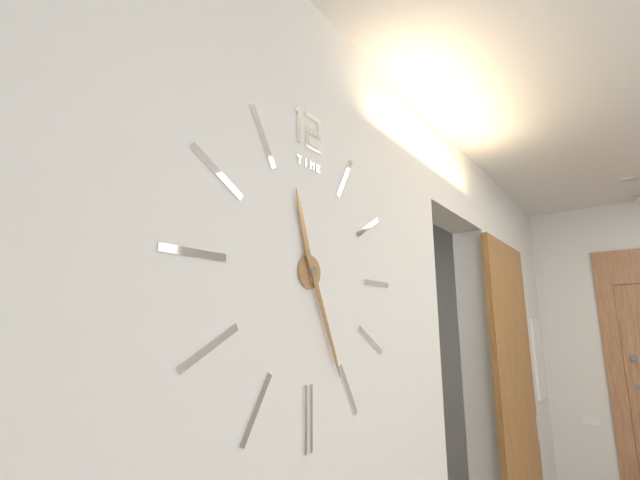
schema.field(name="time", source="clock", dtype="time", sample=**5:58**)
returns **11:26**
